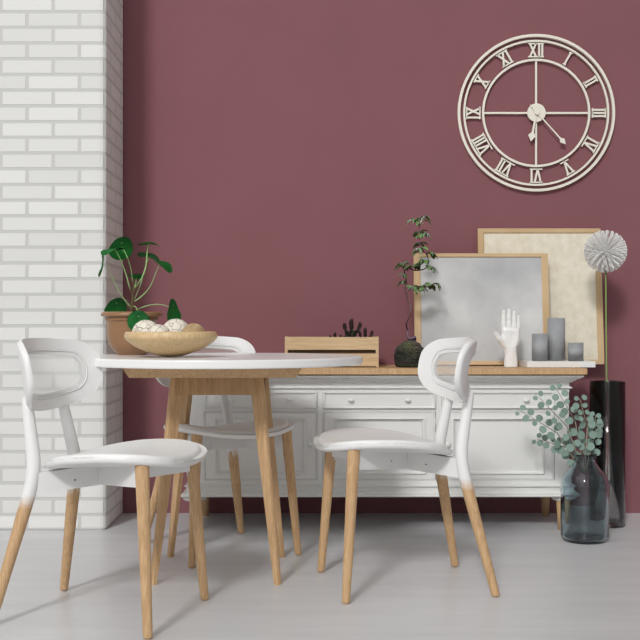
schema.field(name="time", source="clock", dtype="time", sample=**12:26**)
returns **6:23**
